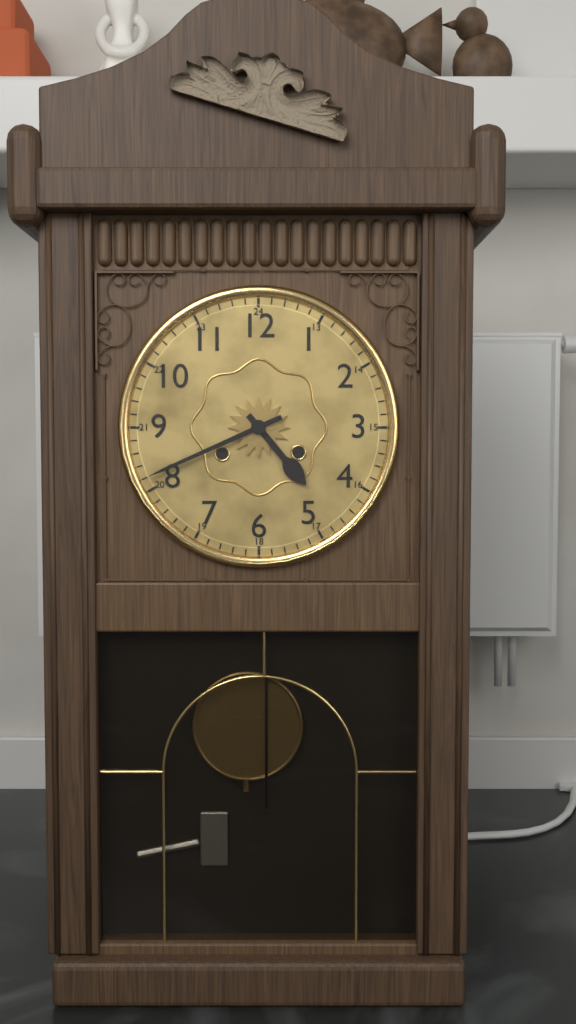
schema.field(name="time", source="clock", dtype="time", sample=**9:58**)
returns **4:41**
